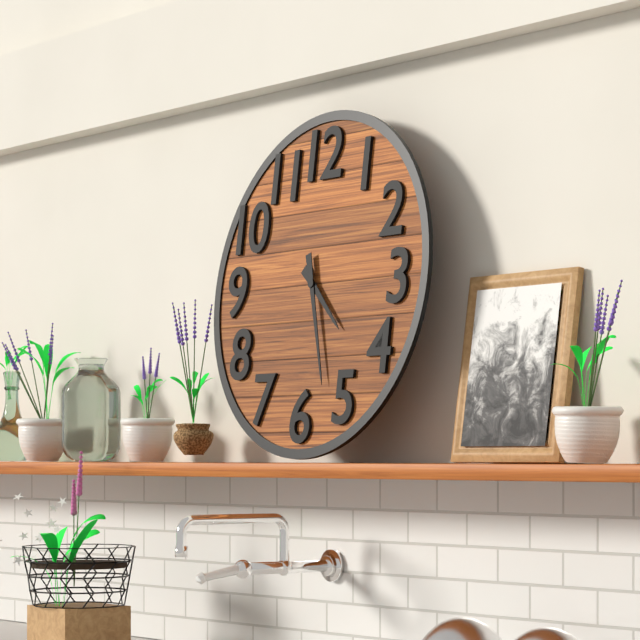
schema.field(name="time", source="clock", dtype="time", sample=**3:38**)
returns **4:27**
